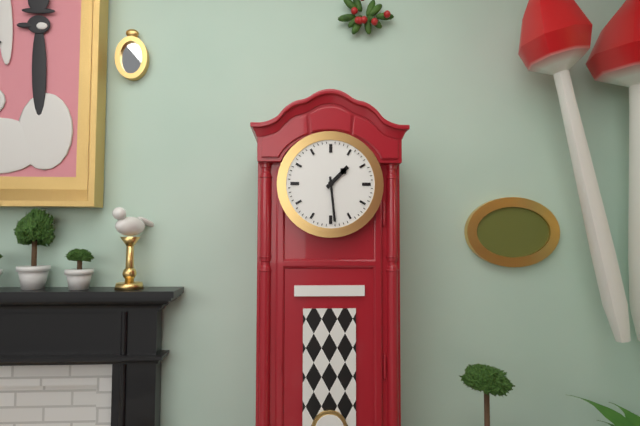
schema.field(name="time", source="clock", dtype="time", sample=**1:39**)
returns **1:29**
